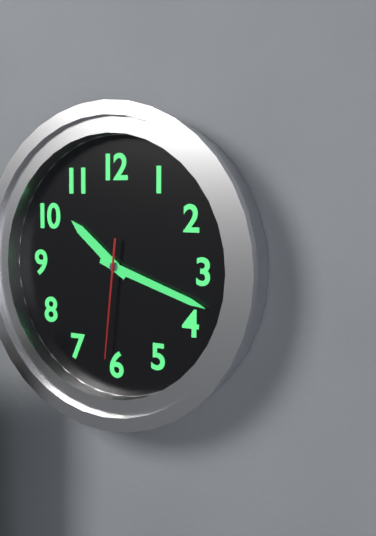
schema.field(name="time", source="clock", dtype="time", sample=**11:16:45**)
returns **10:18:31**
